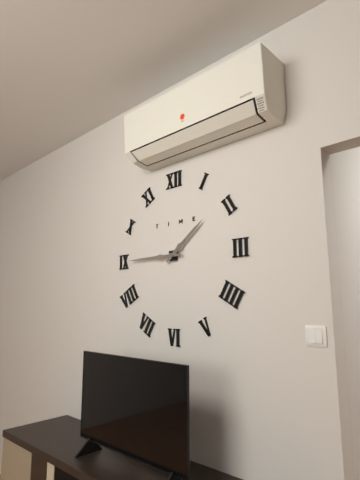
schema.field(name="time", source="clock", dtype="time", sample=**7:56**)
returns **1:45**
